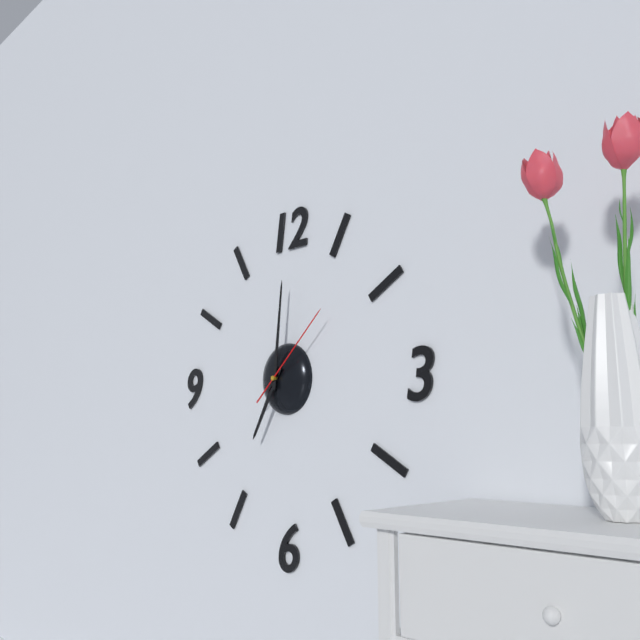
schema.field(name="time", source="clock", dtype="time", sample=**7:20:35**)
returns **7:01:08**
